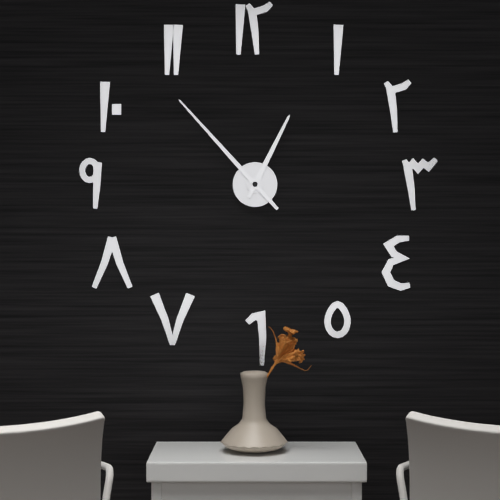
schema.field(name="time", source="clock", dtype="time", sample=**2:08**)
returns **12:53**
